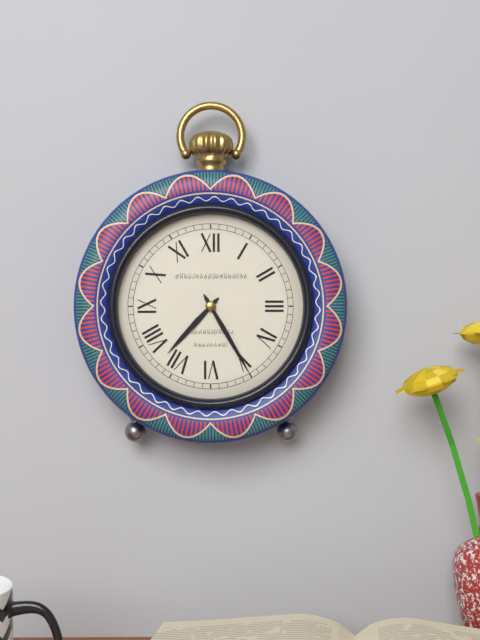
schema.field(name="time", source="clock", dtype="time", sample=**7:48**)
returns **7:25**
